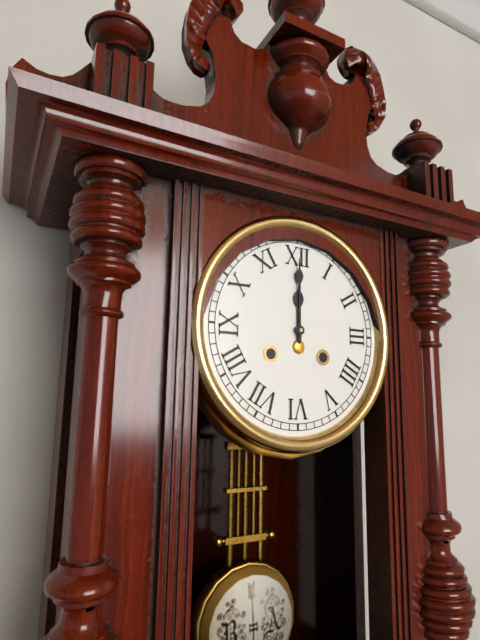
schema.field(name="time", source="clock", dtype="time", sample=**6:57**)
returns **12:00**
